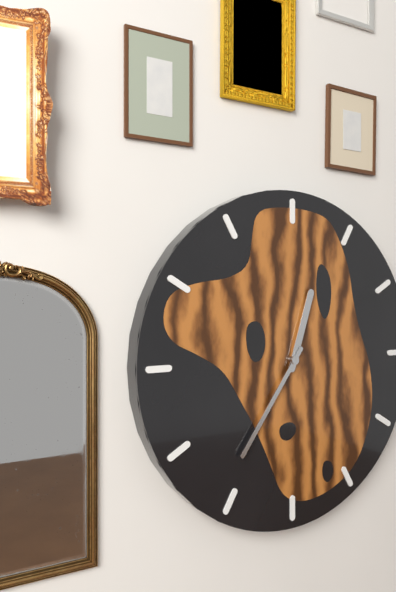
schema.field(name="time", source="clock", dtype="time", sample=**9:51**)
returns **12:36**
